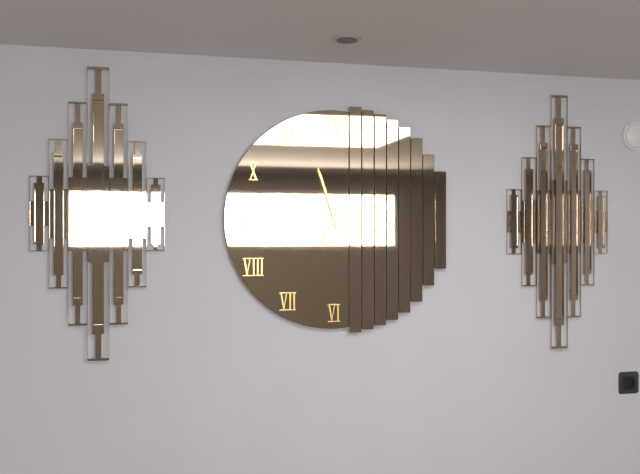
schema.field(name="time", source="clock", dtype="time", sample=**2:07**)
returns **6:57**
